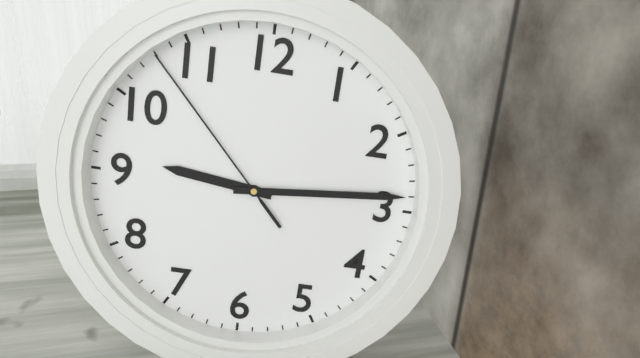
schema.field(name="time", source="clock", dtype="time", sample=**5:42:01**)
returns **9:14:53**
